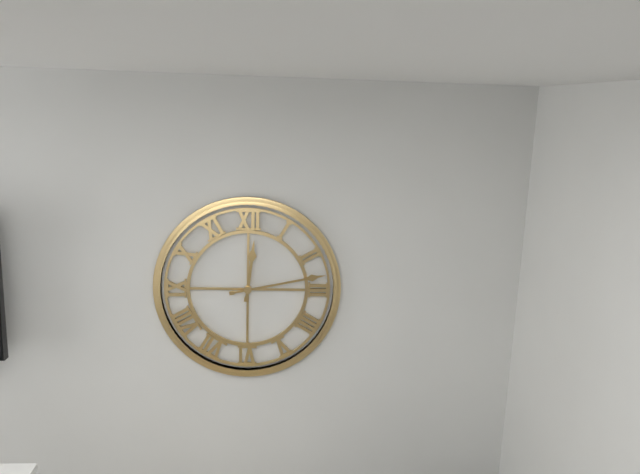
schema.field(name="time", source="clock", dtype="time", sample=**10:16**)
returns **12:13**
